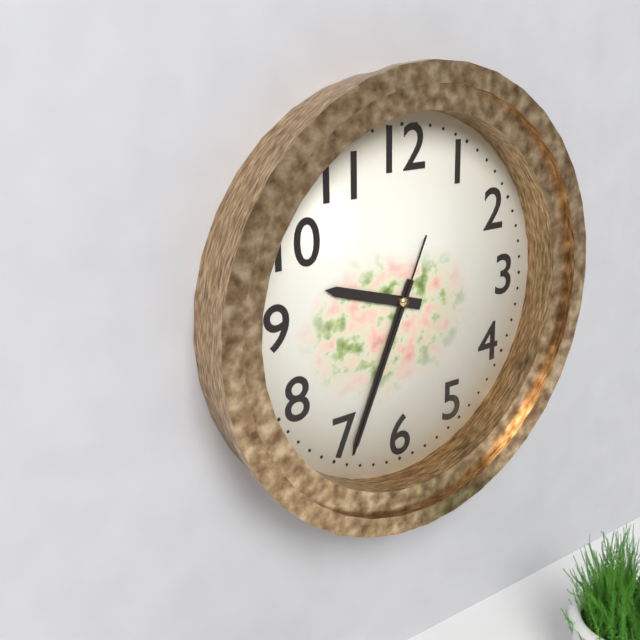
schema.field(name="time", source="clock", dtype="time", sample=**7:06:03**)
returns **9:34:34**
